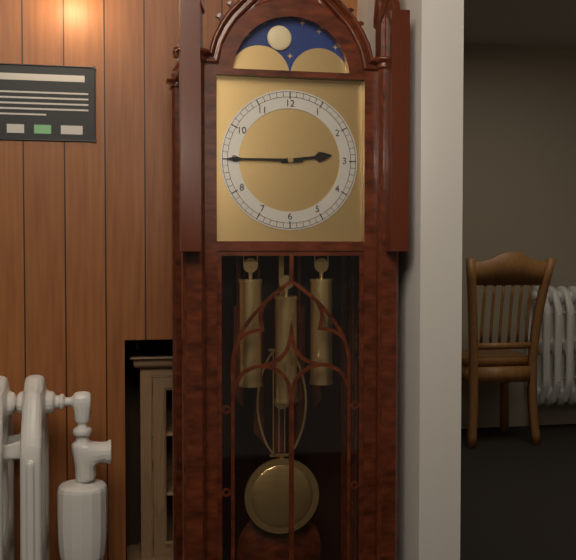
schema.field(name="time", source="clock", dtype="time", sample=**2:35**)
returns **2:45**
